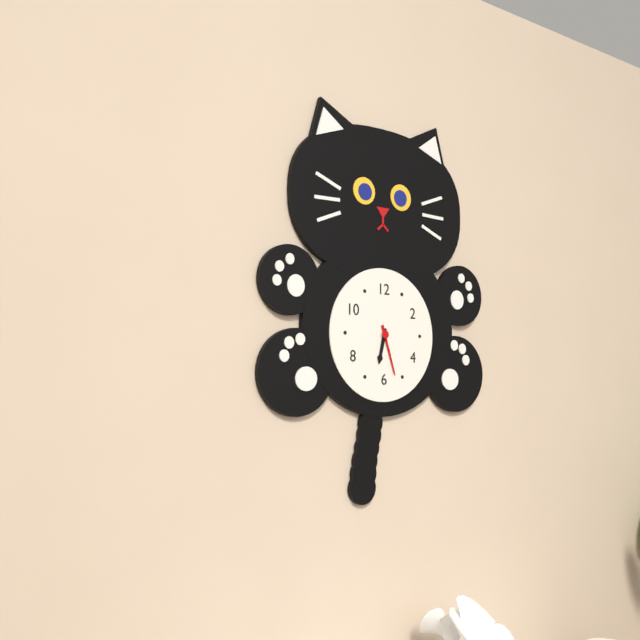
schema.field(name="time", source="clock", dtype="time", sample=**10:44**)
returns **6:27**
